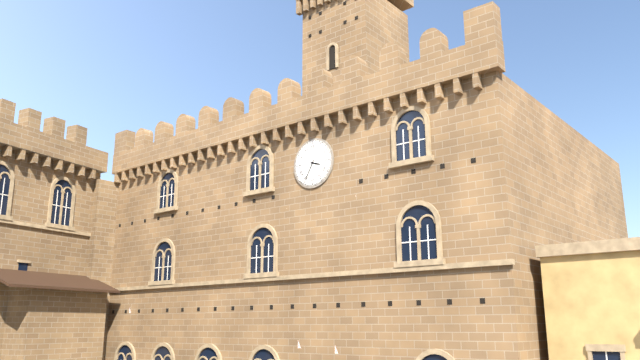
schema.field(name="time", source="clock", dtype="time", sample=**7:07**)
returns **3:35**
